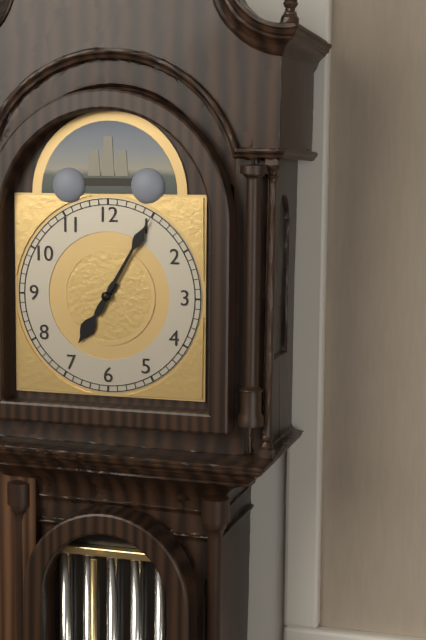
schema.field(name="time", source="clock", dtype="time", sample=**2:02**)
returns **7:05**
